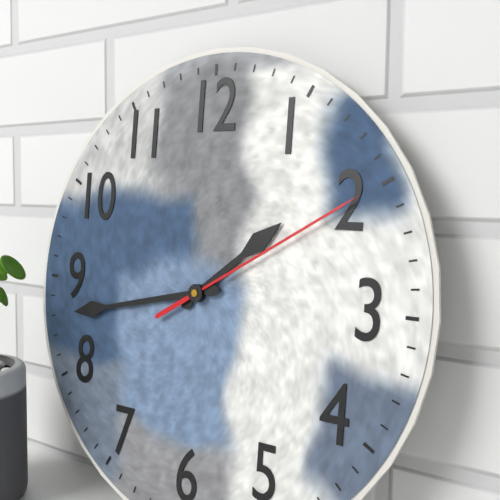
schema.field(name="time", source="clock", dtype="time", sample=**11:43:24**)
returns **1:43:10**
